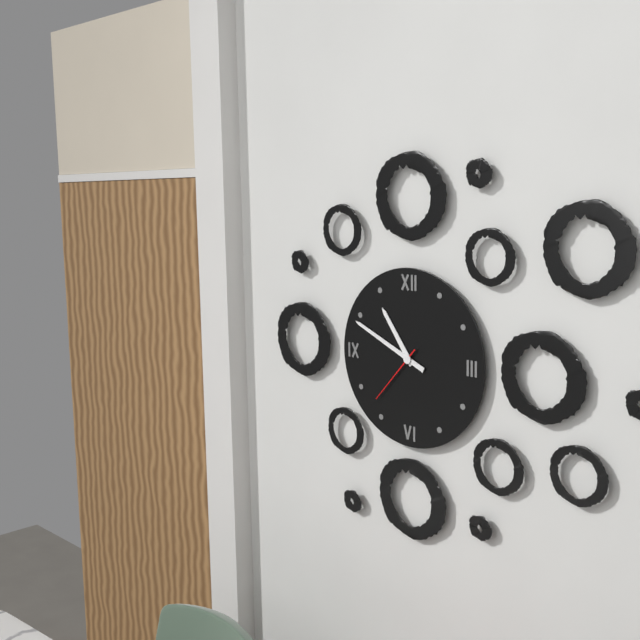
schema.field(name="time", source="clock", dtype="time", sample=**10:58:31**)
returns **10:49:37**
